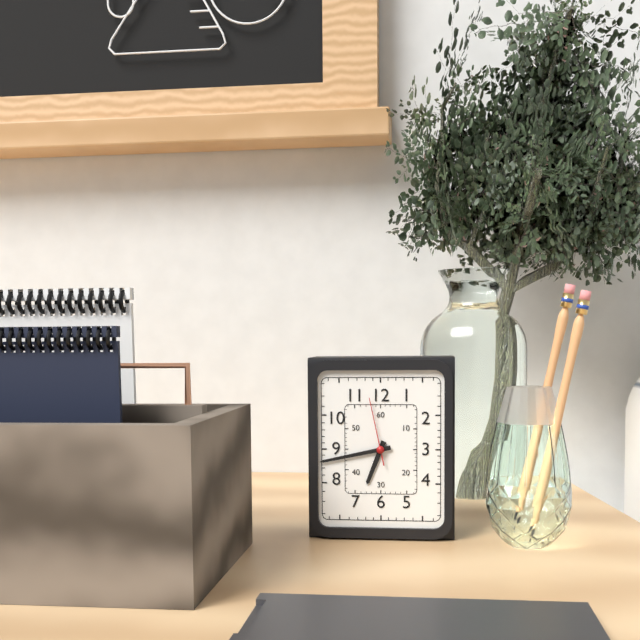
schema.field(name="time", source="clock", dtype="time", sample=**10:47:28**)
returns **6:43:58**
